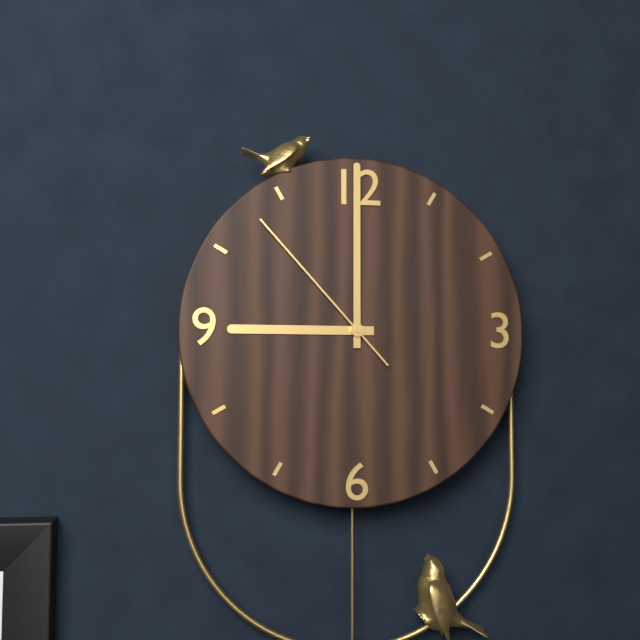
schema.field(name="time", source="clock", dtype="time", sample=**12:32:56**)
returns **9:00:53**
